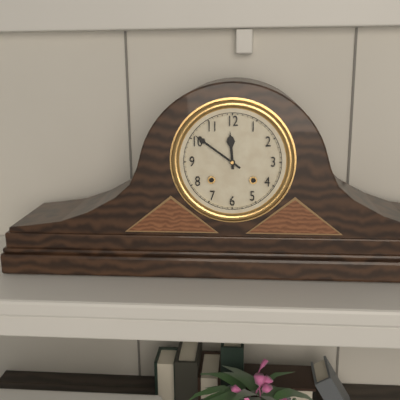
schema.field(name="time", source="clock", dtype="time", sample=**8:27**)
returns **11:51**
